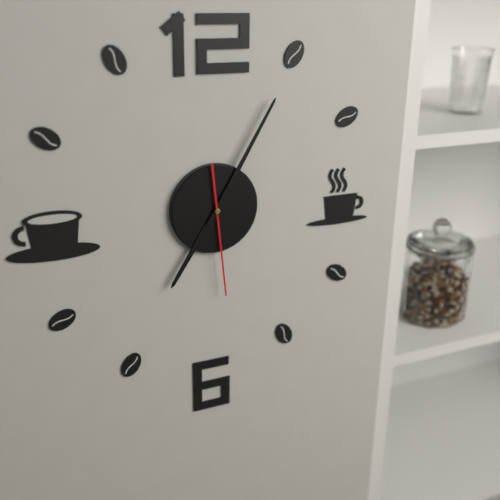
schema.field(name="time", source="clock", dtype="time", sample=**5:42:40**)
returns **7:05:29**
